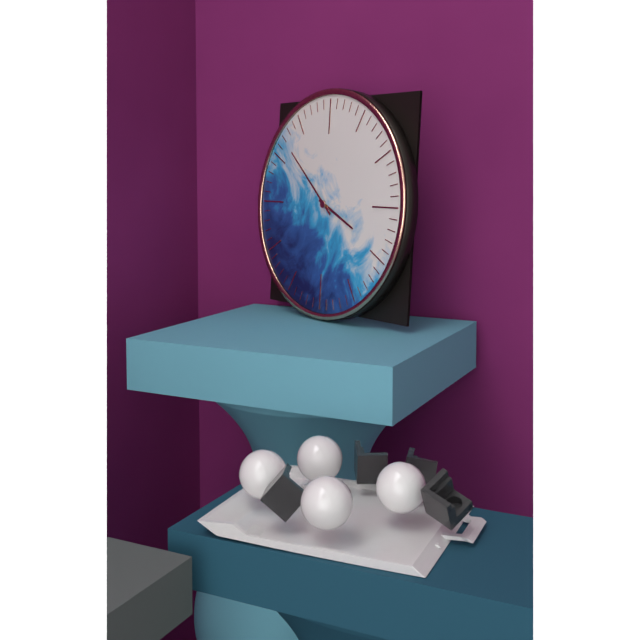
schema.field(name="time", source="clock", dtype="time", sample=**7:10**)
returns **3:52**
